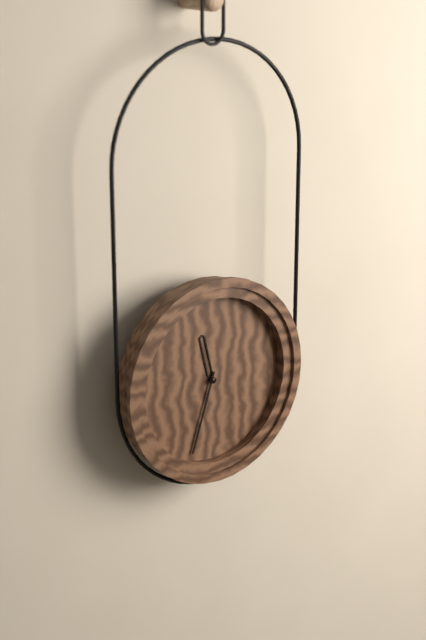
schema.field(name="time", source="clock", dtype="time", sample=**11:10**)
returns **11:33**
